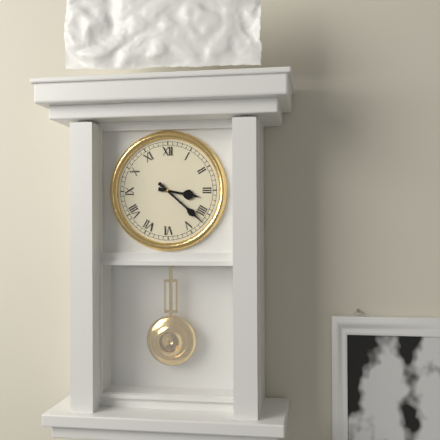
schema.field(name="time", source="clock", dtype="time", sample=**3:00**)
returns **3:22**
